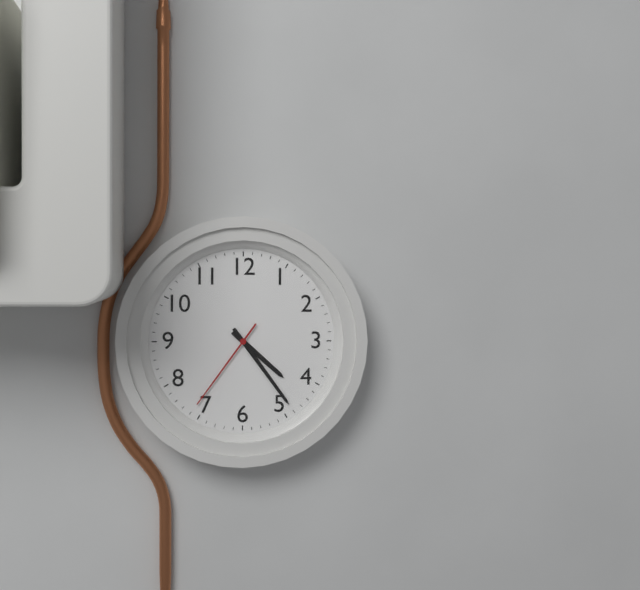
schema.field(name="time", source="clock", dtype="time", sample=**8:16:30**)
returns **4:24:36**
